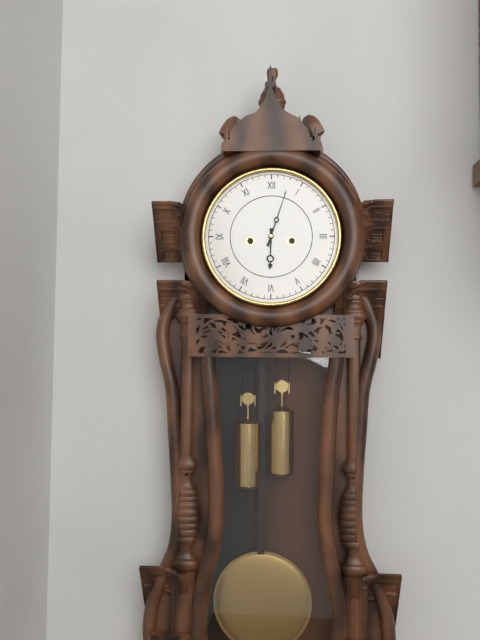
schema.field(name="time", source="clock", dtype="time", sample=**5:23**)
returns **6:03**
